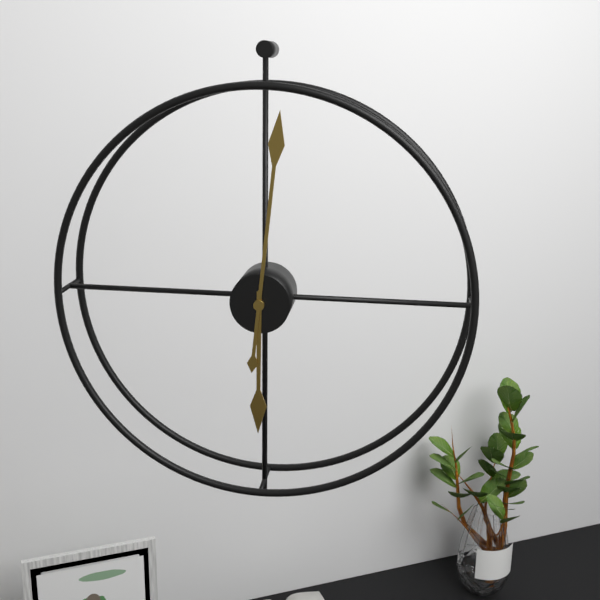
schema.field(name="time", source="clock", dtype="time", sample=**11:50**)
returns **6:01**
